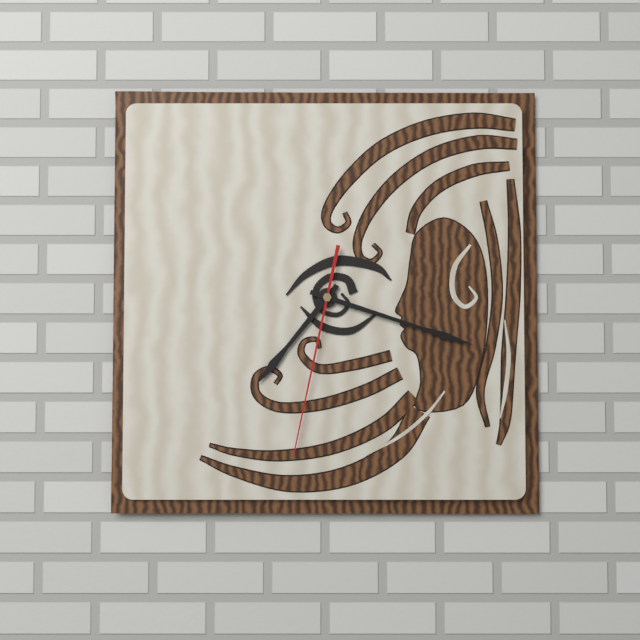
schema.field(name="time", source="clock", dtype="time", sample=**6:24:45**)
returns **7:18:32**
